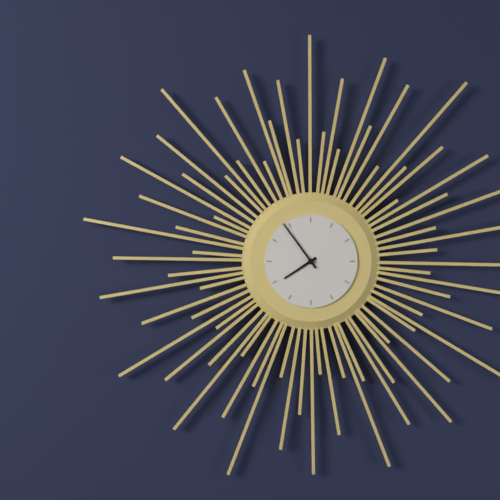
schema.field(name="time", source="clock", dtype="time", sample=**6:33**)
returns **7:54**
